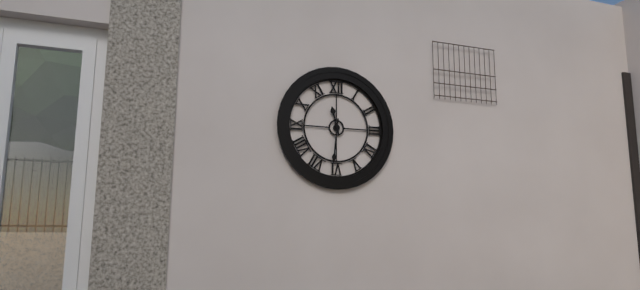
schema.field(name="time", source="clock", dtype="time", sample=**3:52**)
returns **11:31**
